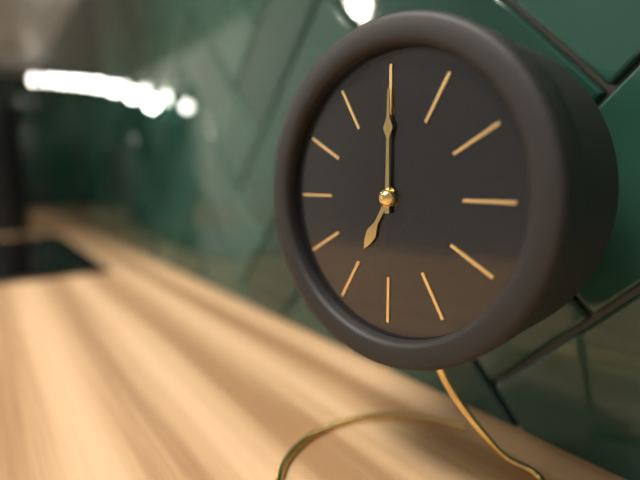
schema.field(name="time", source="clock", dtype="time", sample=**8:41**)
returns **7:00**
